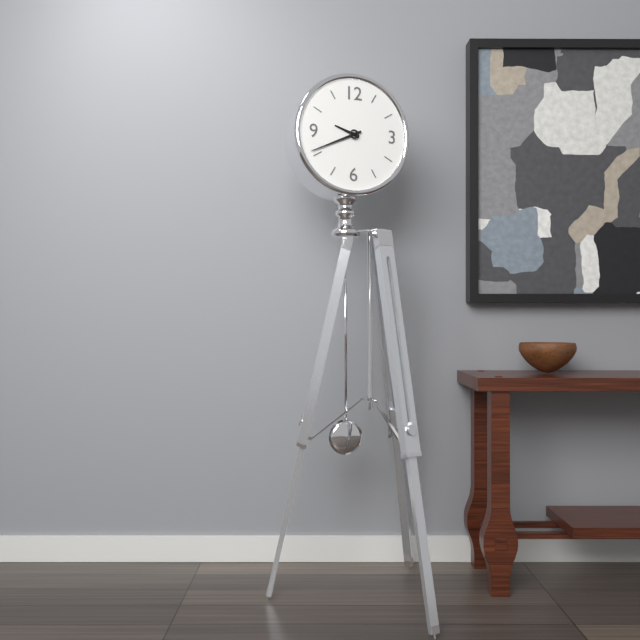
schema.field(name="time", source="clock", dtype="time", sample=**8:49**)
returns **9:41**
